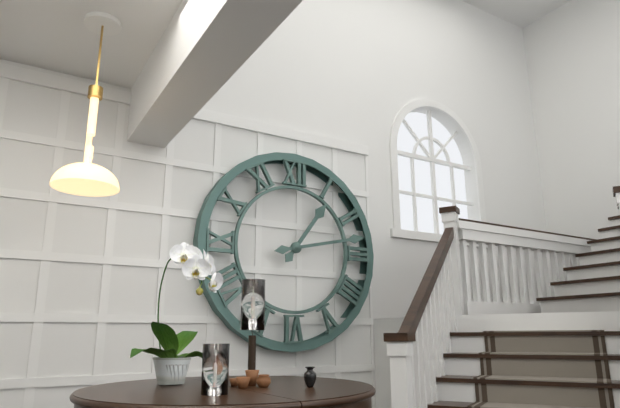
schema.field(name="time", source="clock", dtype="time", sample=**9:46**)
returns **1:13**
